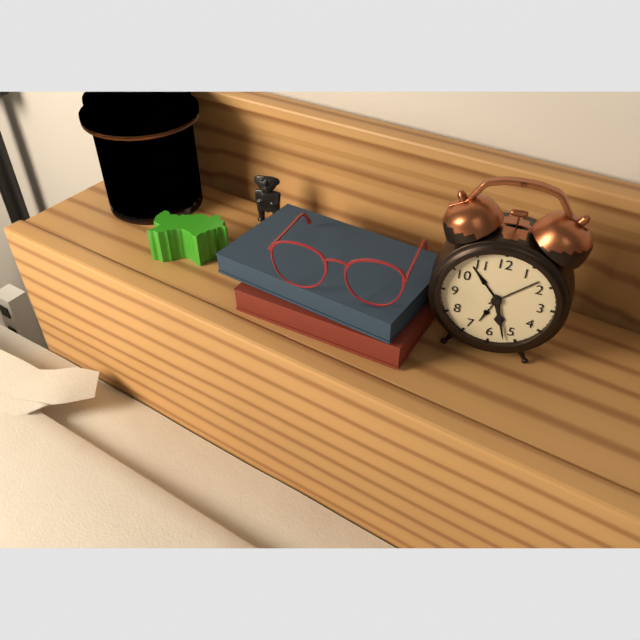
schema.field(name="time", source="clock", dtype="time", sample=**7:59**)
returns **5:27**
